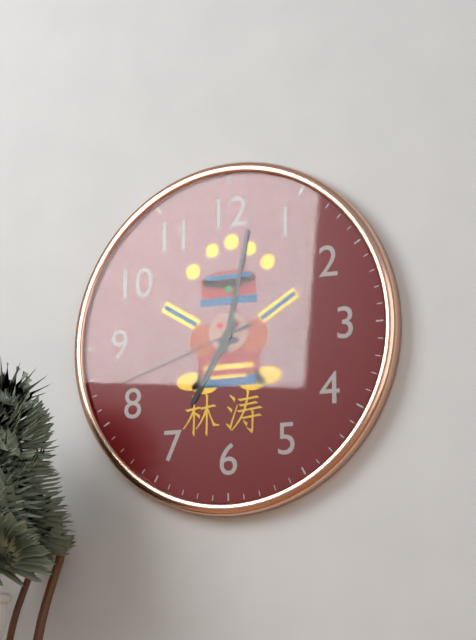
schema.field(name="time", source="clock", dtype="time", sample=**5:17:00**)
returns **7:02:42**
